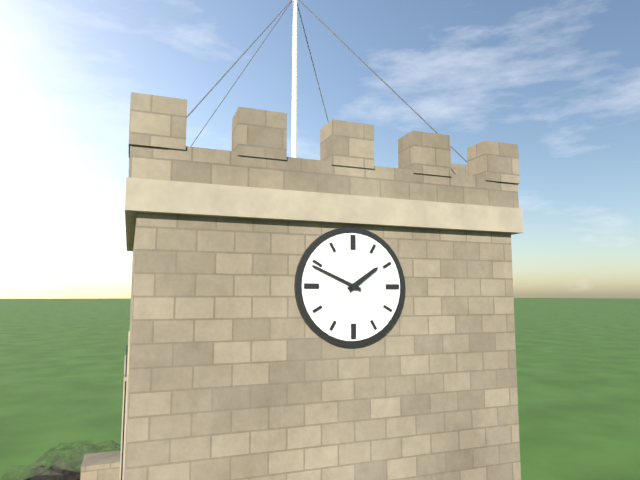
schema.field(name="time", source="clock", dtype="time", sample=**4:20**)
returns **1:49**
